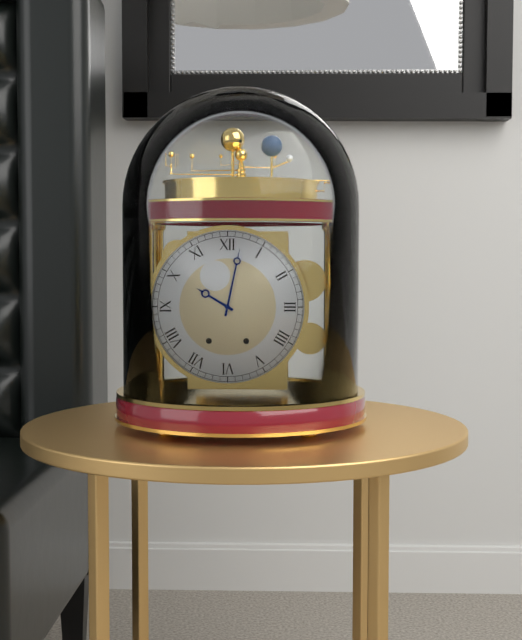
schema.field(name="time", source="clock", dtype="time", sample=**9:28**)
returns **10:02**
